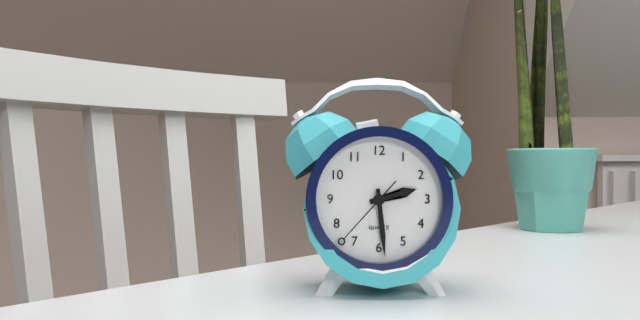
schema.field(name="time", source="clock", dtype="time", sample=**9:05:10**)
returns **2:29:37**
